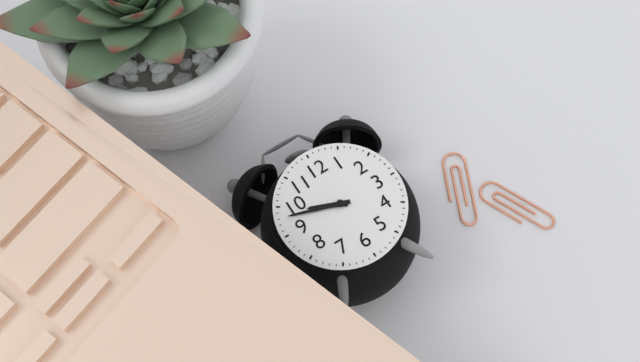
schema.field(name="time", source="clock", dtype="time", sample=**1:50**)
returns **9:48**
